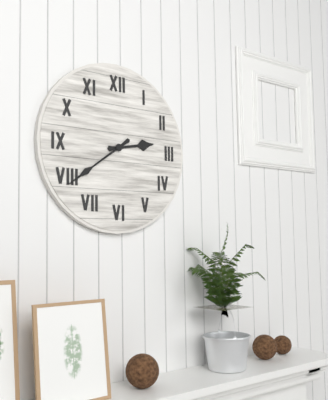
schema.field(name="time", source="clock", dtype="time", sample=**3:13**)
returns **2:39**
